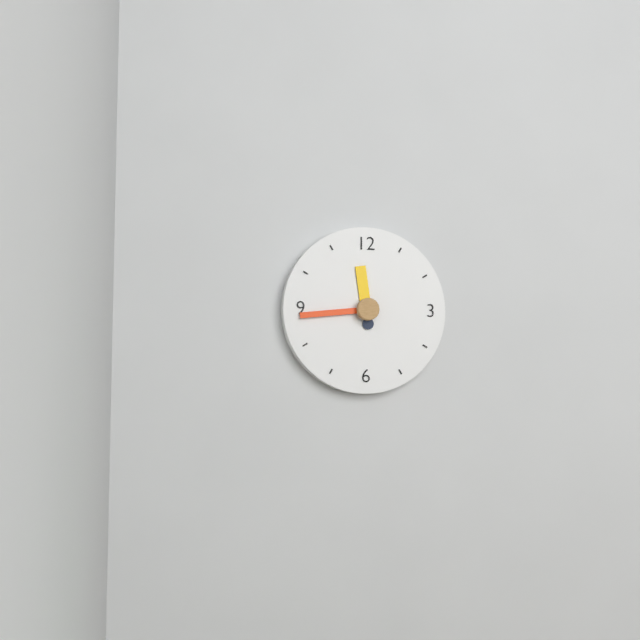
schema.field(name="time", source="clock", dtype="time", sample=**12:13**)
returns **11:44**
